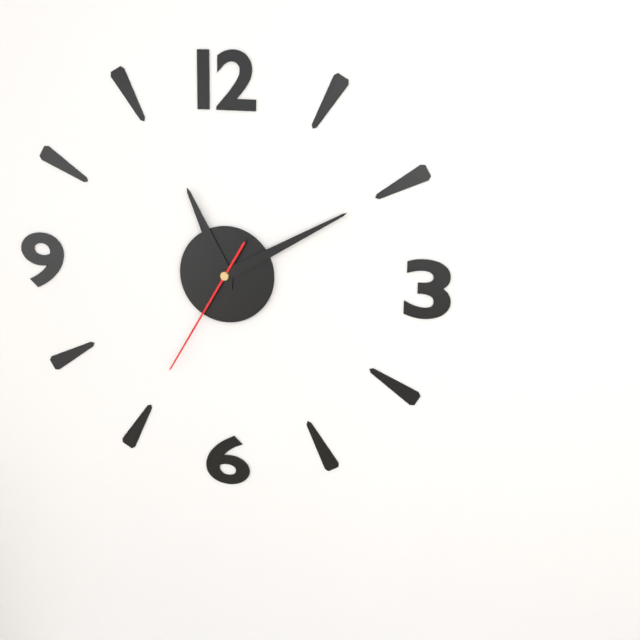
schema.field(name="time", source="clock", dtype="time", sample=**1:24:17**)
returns **11:10:35**
